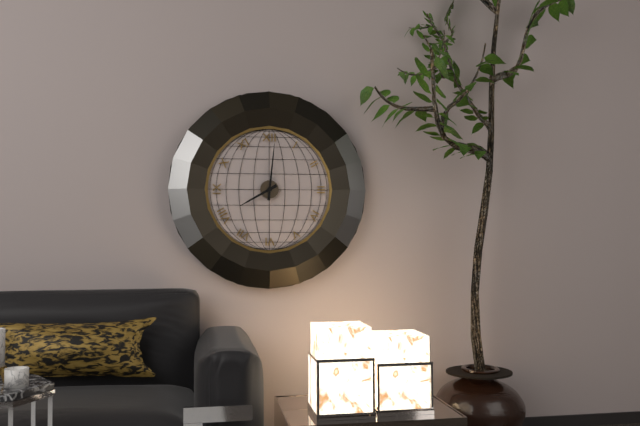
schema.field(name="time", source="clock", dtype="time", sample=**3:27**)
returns **8:01**
